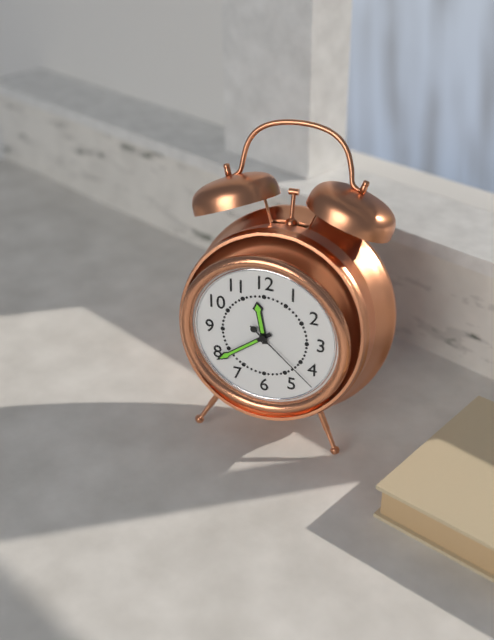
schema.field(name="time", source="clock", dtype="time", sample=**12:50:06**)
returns **11:39:22**
